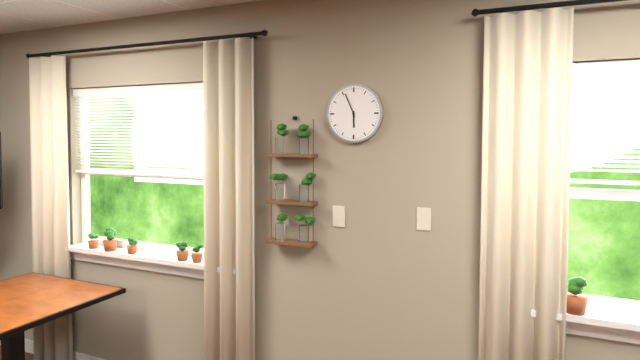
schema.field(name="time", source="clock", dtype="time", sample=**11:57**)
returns **5:56**
